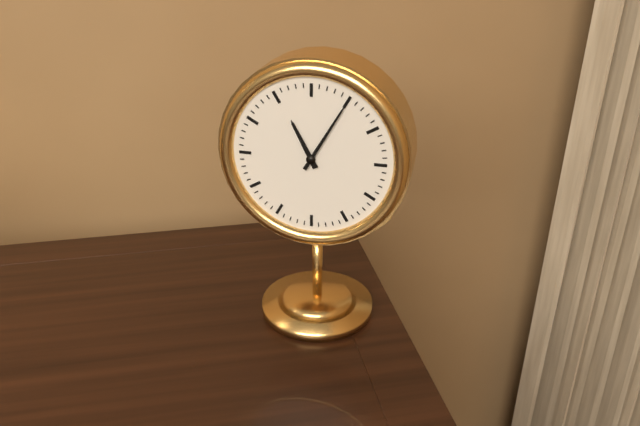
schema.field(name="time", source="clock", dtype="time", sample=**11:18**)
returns **11:05**
